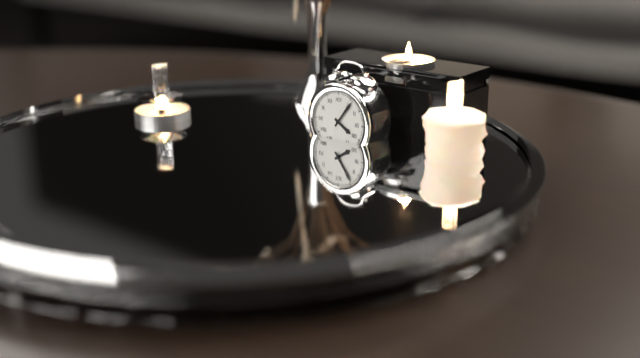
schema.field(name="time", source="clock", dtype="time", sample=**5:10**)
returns **4:06**
